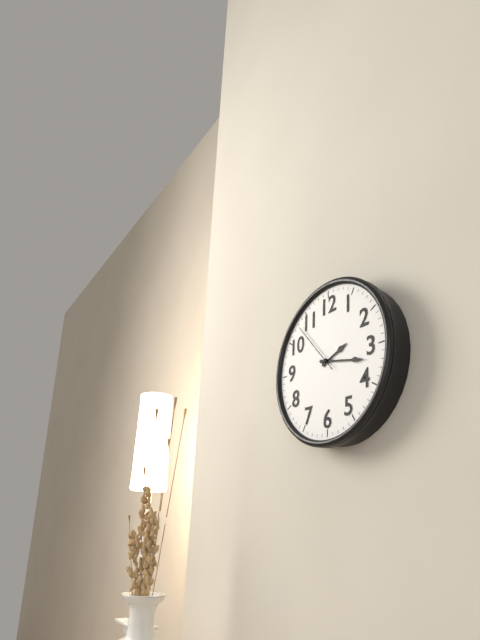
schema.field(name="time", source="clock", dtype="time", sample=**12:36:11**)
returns **2:17:53**
